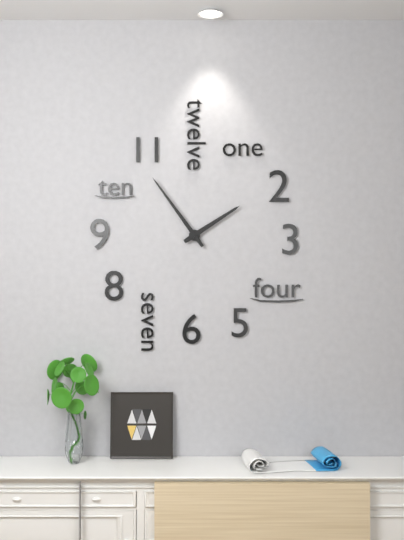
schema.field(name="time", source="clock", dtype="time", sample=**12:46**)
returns **1:54**
